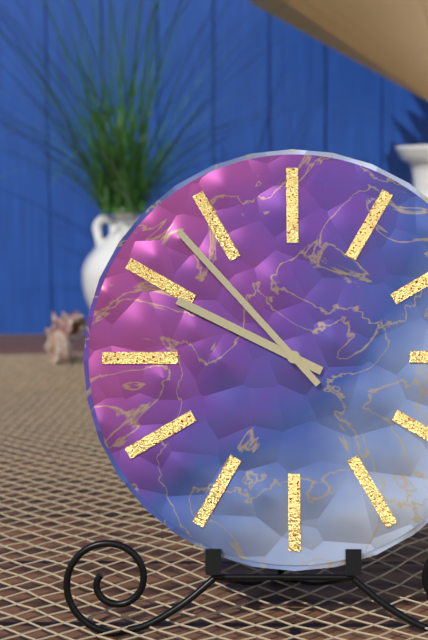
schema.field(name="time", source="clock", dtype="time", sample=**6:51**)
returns **9:53**
